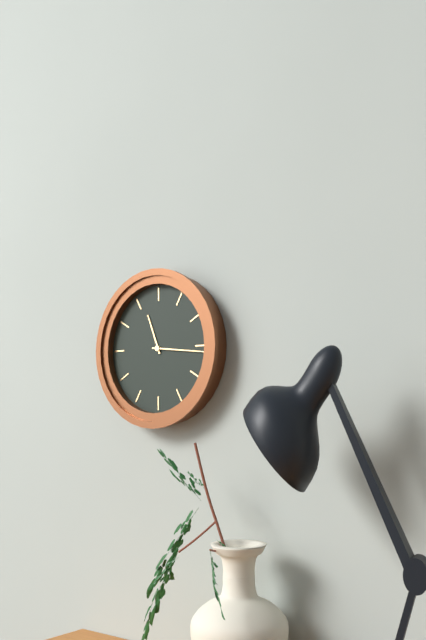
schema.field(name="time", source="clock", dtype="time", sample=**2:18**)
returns **11:16**
